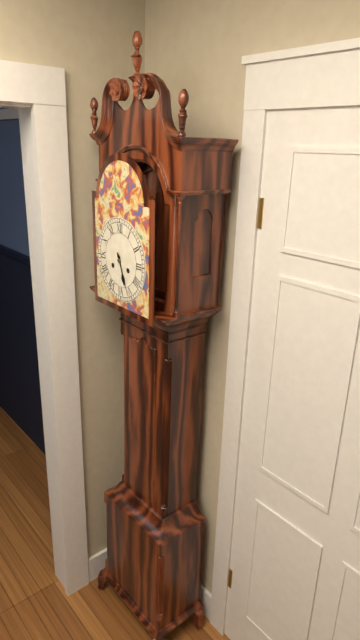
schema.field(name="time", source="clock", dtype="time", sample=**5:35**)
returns **5:26**
